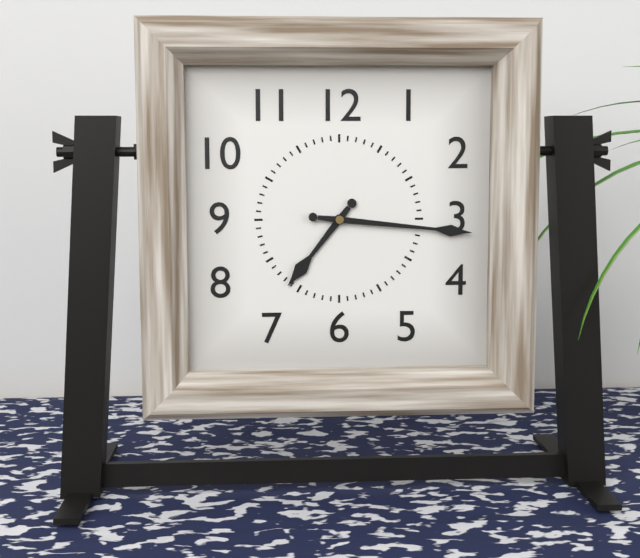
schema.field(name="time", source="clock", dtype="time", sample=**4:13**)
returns **7:16**
